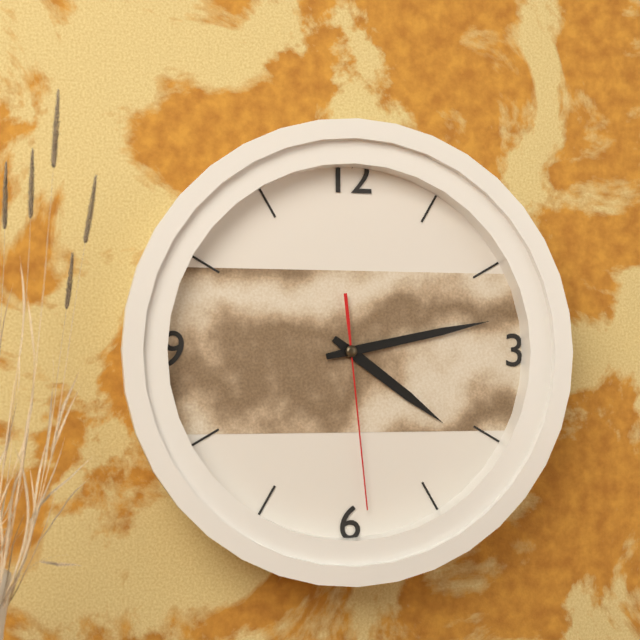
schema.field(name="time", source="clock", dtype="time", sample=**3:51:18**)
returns **4:13:29**
